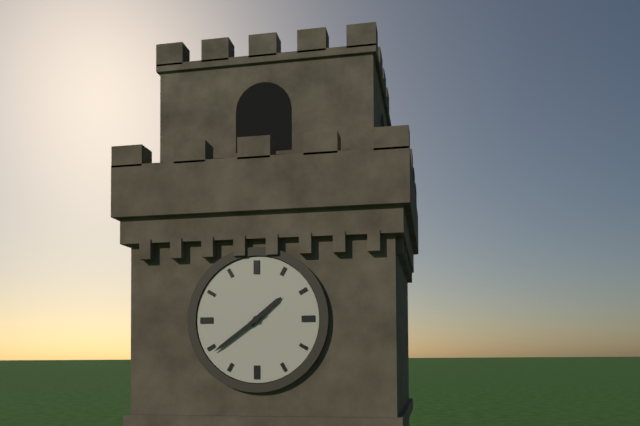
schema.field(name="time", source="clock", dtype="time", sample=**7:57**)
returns **1:39**
